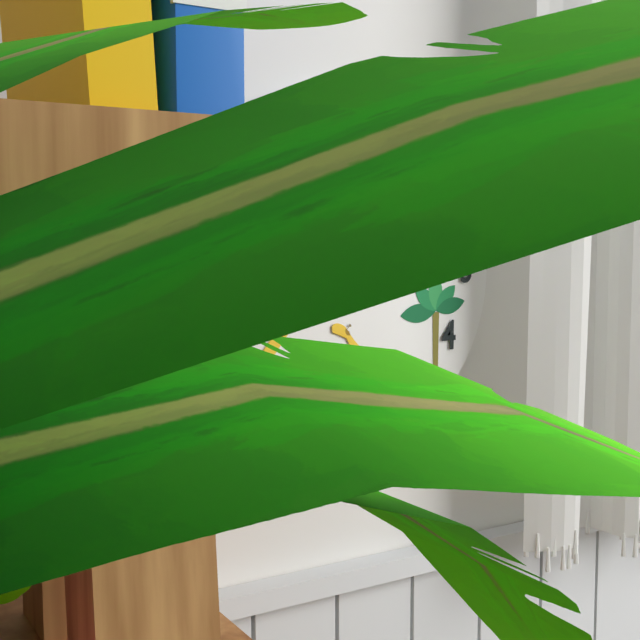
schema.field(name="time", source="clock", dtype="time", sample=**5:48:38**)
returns **7:46:59**
